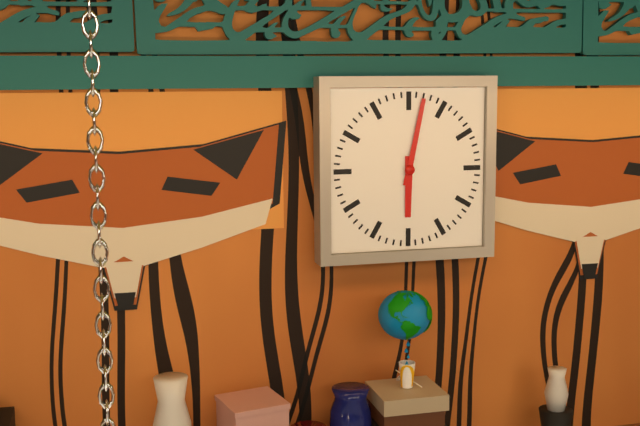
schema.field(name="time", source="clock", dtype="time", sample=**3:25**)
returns **6:02**
